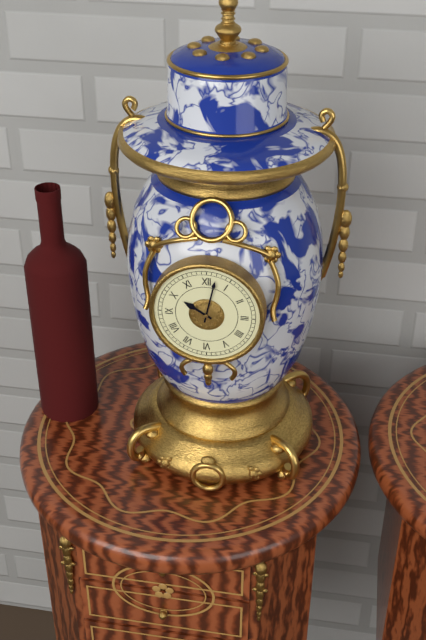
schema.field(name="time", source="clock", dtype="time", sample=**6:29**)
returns **10:02**
